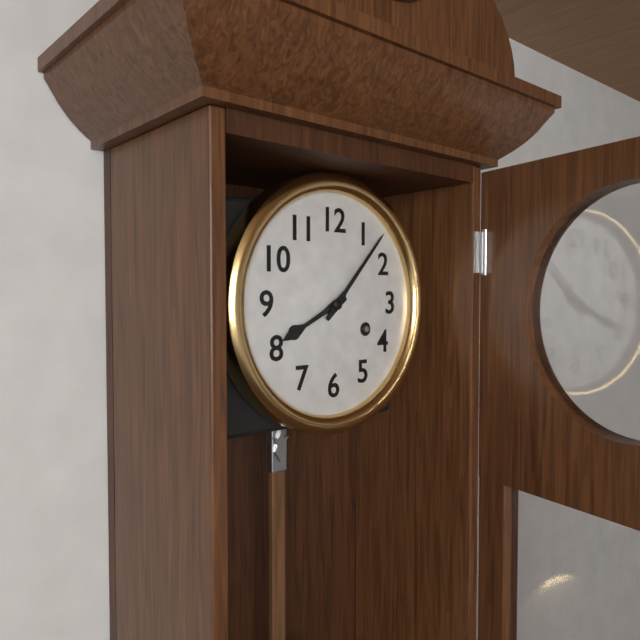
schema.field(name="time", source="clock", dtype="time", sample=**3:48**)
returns **8:07**
